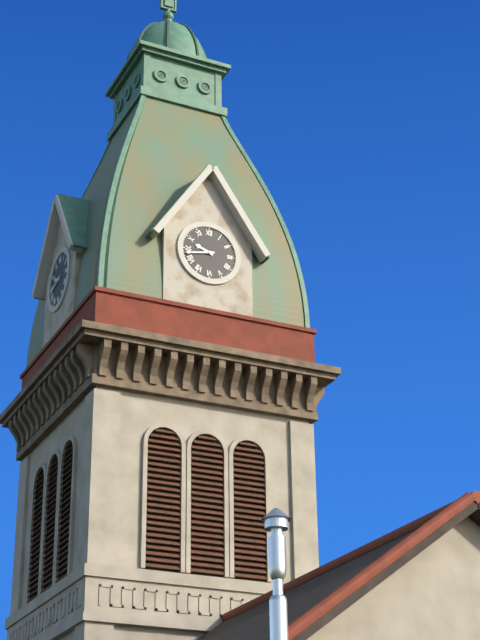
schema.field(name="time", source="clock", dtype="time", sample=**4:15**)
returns **9:43**
